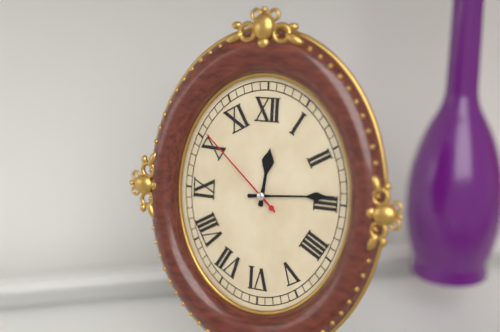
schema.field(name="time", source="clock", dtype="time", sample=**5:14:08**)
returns **12:14:52**
